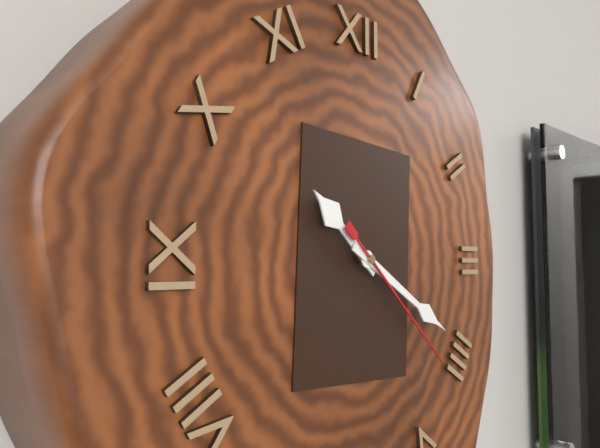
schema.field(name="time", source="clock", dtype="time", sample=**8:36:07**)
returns **10:20:22**
